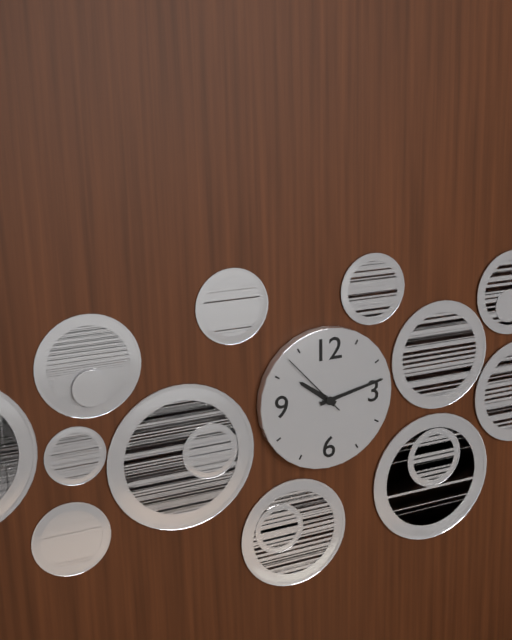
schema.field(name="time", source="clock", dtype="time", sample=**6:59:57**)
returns **10:13:53**
